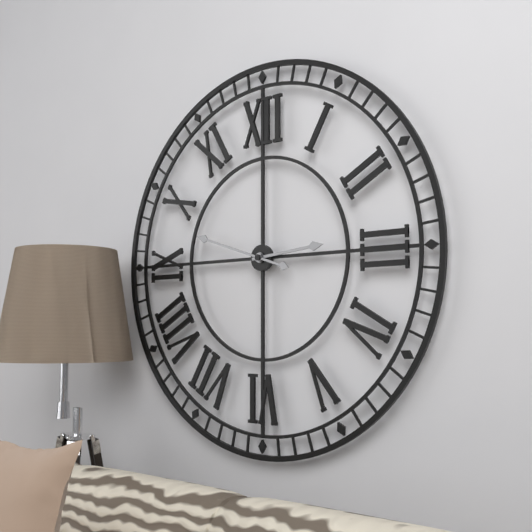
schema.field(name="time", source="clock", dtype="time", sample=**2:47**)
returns **2:48**
